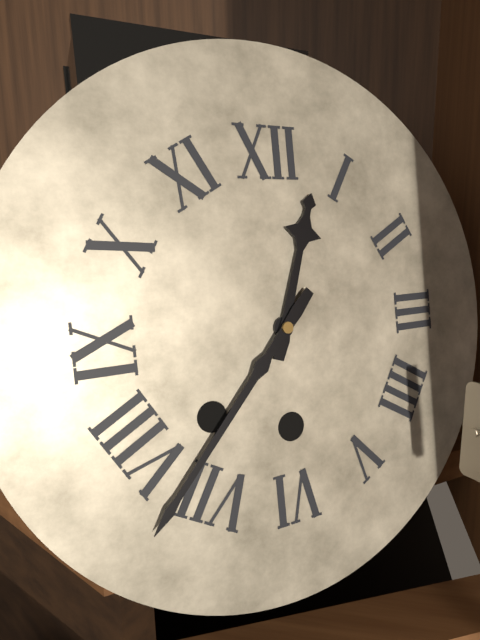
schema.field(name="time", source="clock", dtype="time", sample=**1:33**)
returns **12:37**
